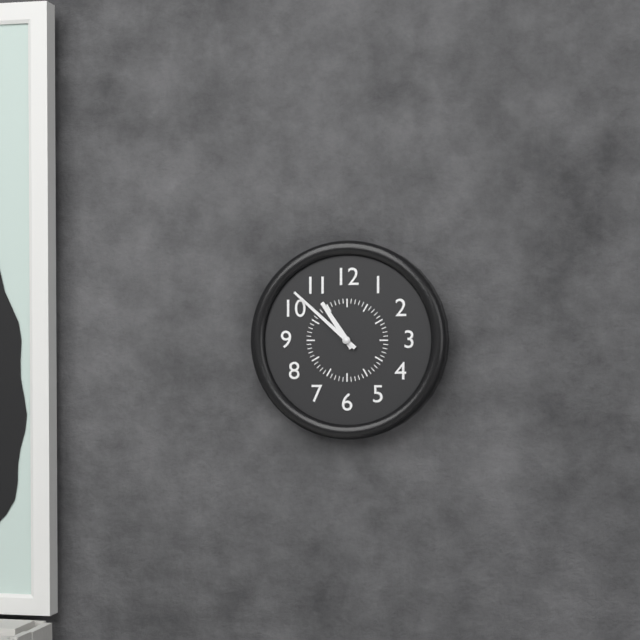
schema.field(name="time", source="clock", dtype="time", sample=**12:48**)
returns **10:52**
